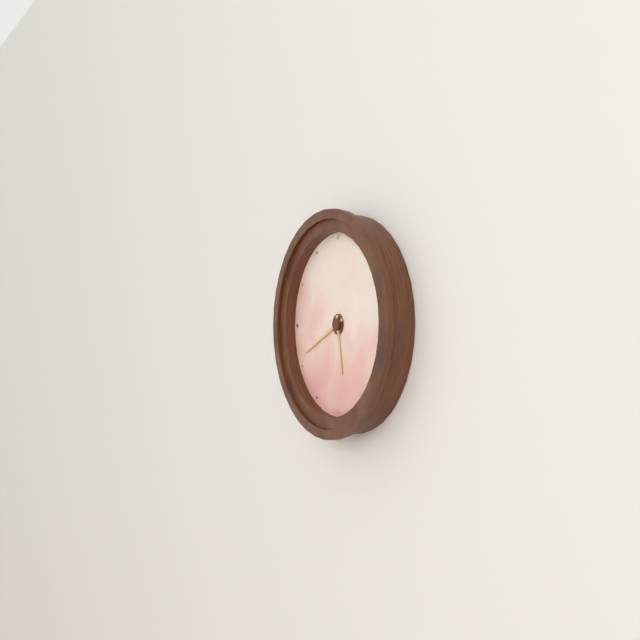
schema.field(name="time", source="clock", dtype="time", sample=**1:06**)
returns **5:41**
